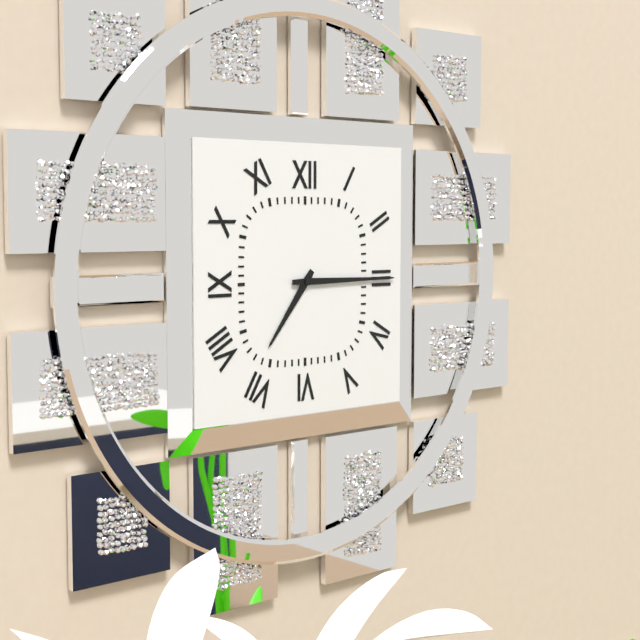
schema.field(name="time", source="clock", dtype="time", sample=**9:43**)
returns **7:15**
